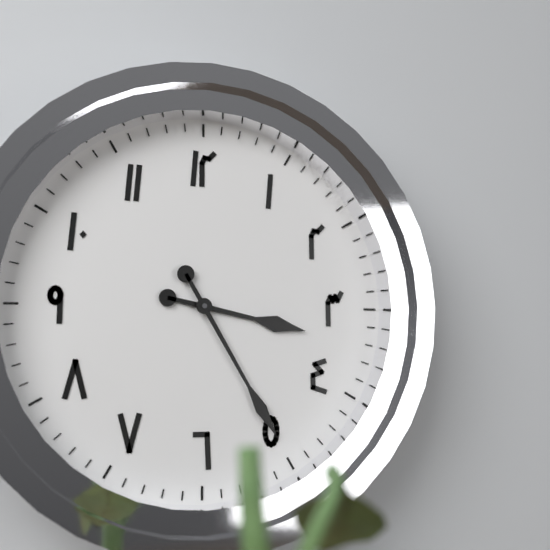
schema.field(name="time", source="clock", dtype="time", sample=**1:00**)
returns **3:25**
